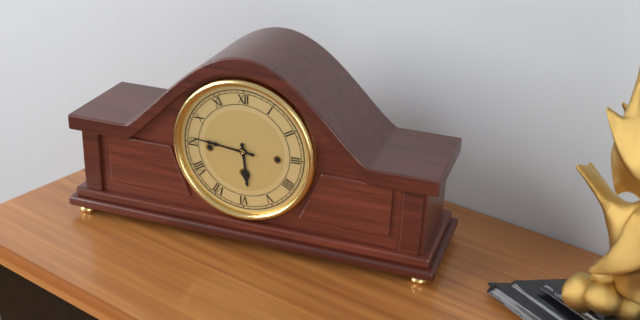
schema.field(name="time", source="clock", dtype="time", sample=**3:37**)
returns **5:46**
